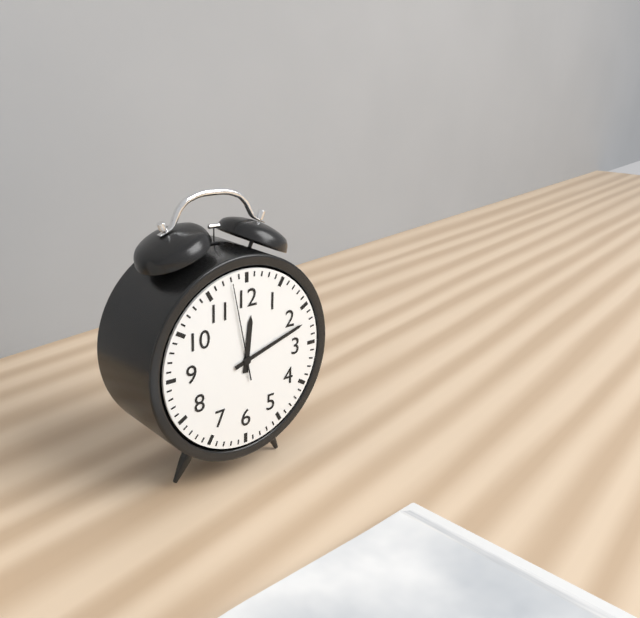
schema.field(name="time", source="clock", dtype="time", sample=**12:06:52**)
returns **12:12:58**
